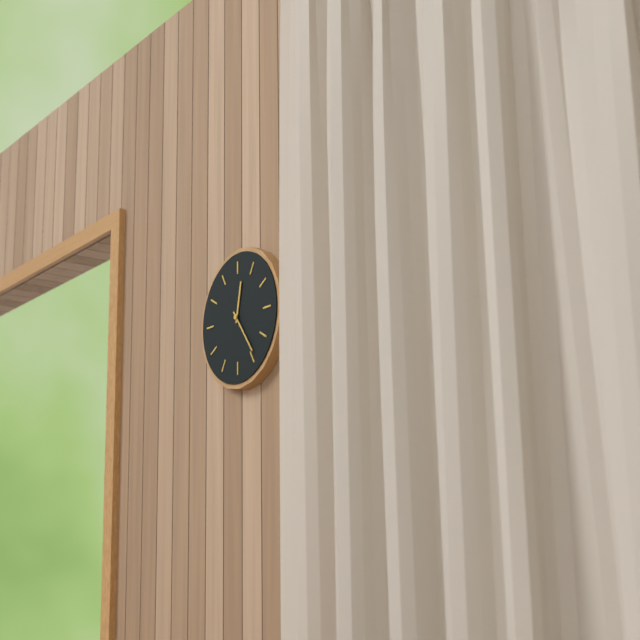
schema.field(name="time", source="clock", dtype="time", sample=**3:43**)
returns **12:24**
